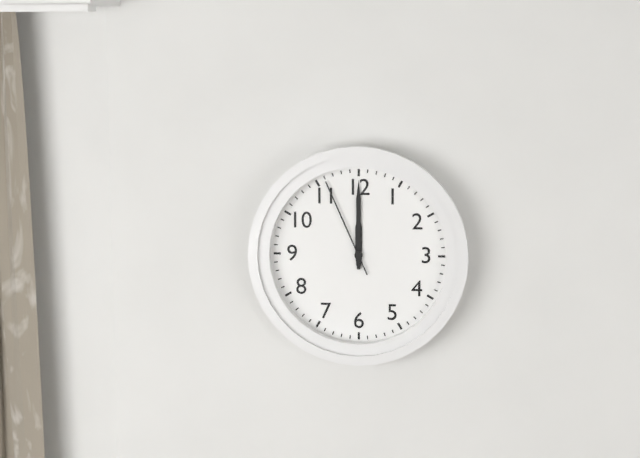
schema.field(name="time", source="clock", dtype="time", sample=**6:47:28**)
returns **12:00:56**
